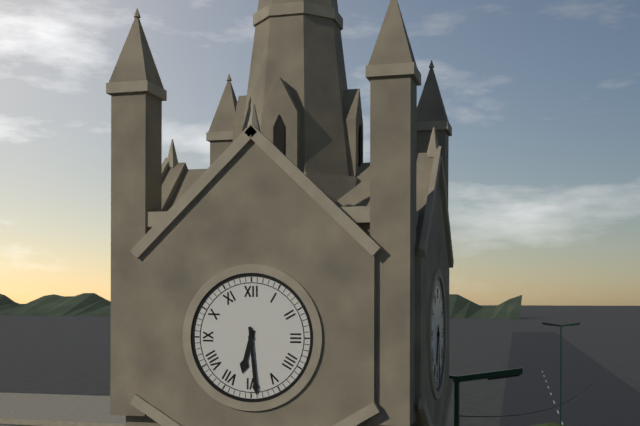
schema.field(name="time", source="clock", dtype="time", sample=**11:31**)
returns **6:29**
